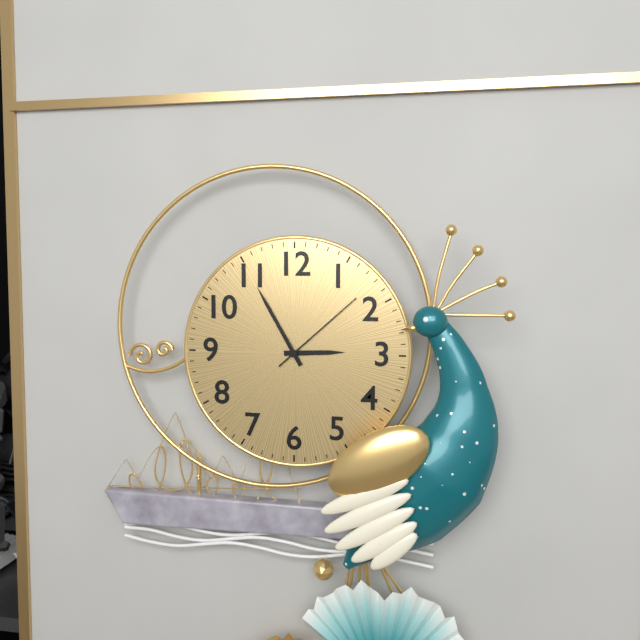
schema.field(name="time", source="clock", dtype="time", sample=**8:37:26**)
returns **2:55:08**
